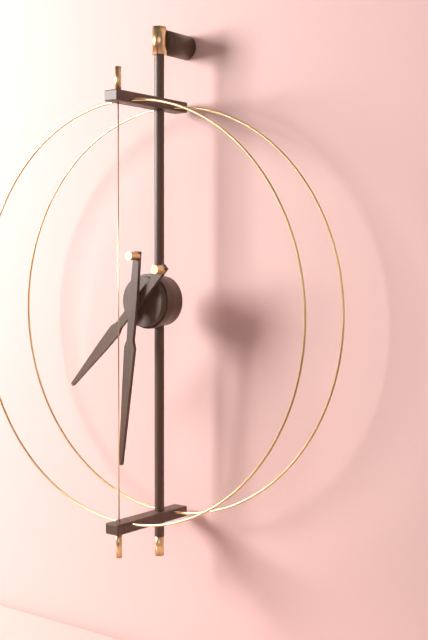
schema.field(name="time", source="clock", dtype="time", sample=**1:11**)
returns **7:31**
